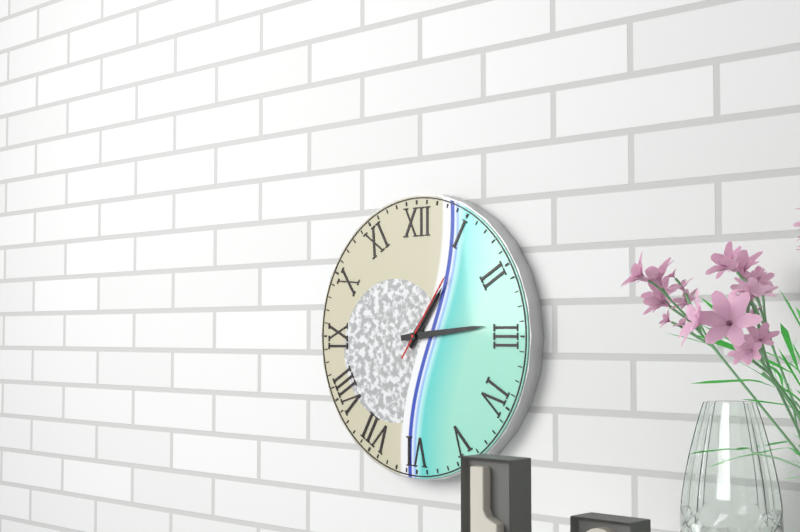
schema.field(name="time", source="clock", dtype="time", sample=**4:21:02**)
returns **1:14:06**
